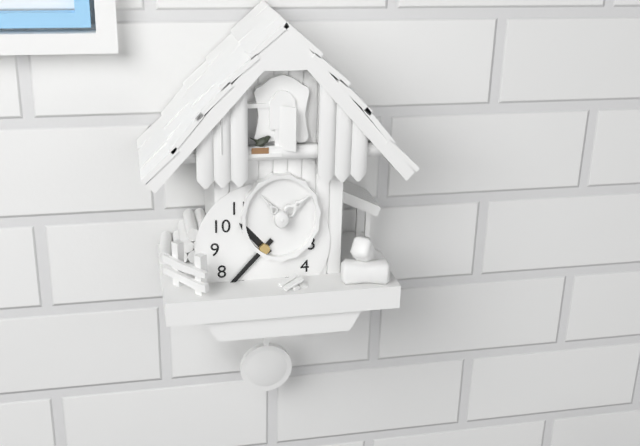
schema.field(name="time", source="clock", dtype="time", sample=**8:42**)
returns **10:37**
